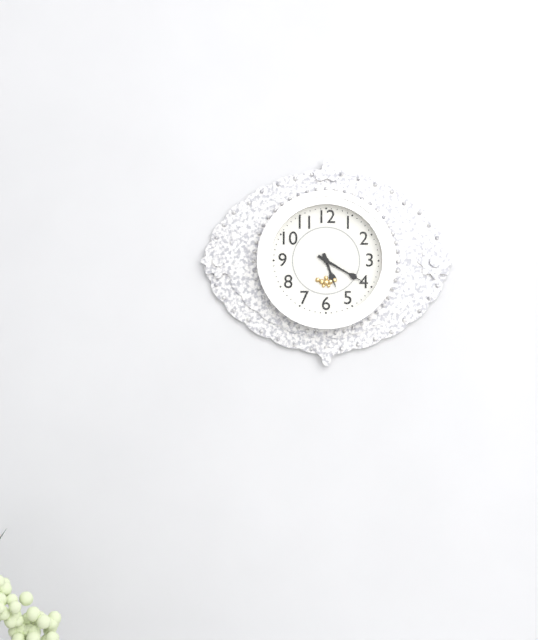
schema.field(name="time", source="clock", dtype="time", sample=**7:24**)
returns **5:20**
